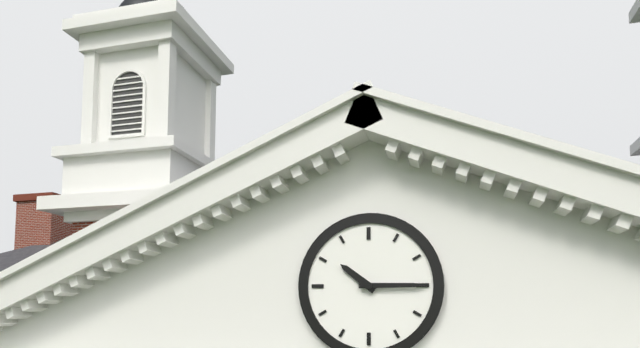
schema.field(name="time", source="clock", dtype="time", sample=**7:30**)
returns **10:15**
